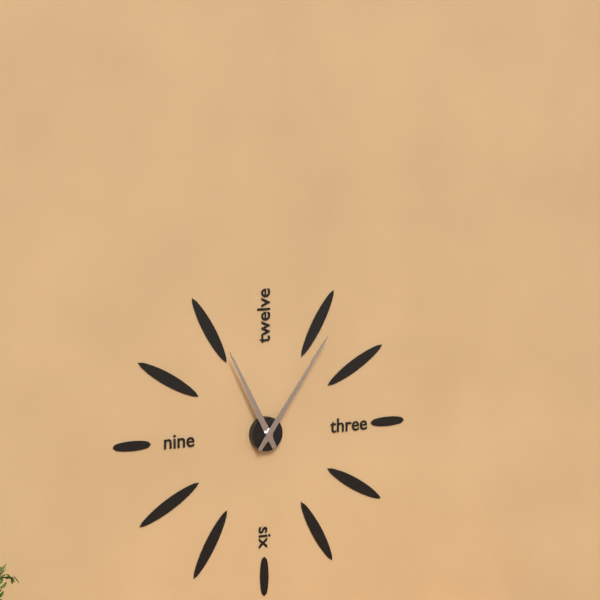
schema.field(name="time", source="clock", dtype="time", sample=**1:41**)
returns **11:06**
